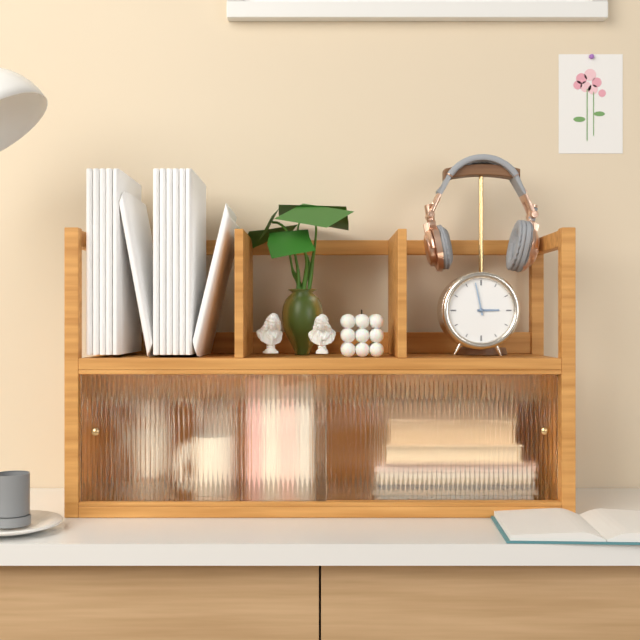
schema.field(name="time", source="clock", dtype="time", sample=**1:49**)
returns **2:58**
